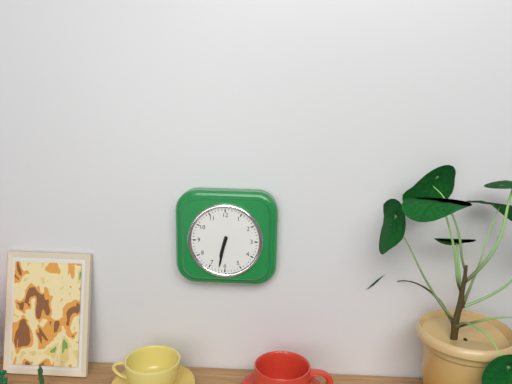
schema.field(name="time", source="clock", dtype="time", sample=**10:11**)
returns **6:32**
